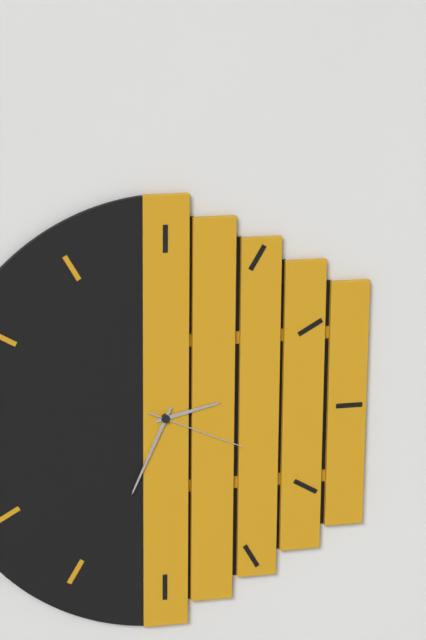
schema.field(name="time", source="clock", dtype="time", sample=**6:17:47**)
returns **2:34:19**
